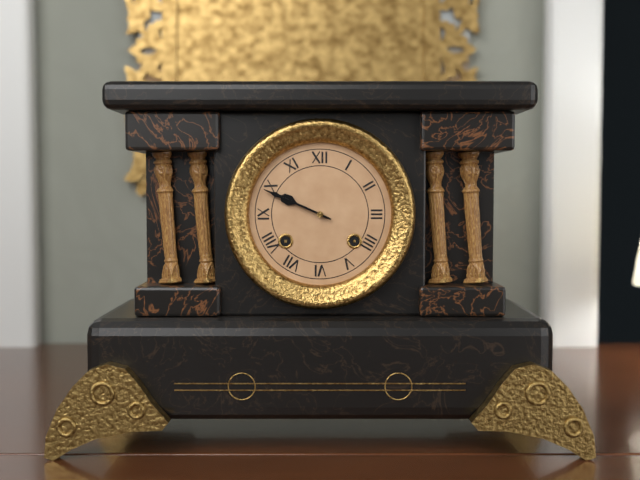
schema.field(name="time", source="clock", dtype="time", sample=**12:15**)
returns **9:49**
